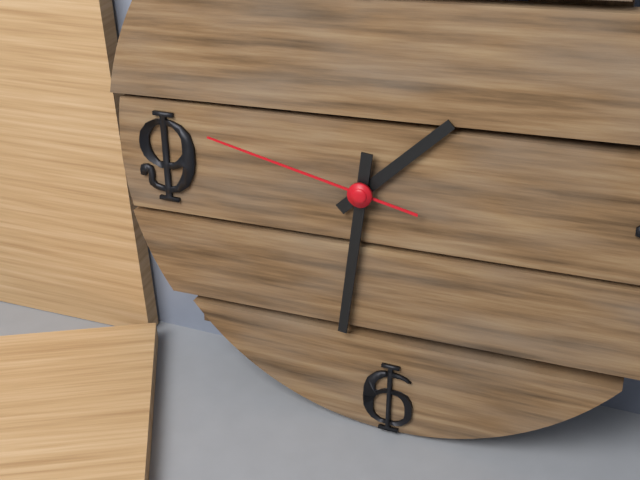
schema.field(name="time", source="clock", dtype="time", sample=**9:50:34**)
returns **1:31:47**
